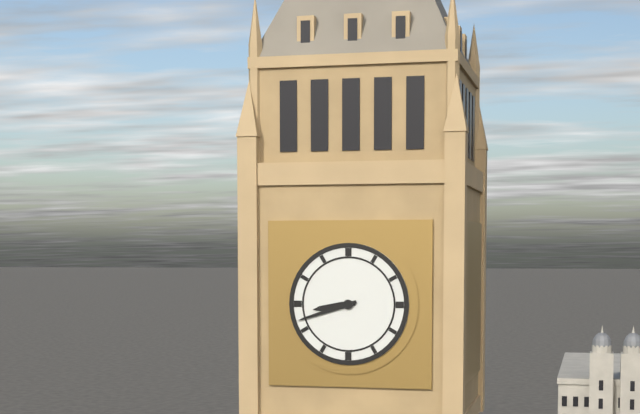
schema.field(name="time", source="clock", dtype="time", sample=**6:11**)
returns **8:42**
